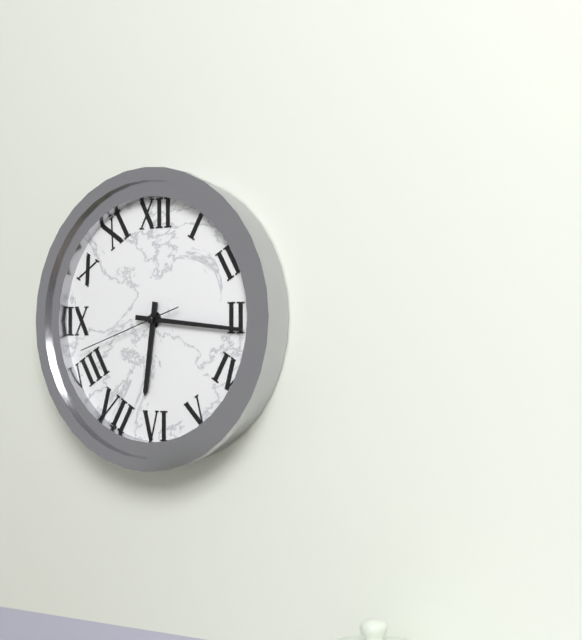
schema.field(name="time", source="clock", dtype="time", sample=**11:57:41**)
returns **6:16:42**
